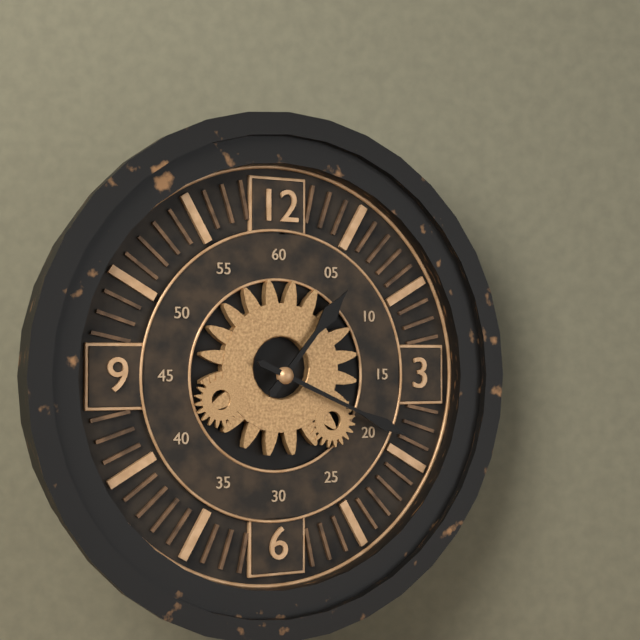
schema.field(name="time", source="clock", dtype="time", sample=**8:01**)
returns **1:19**
